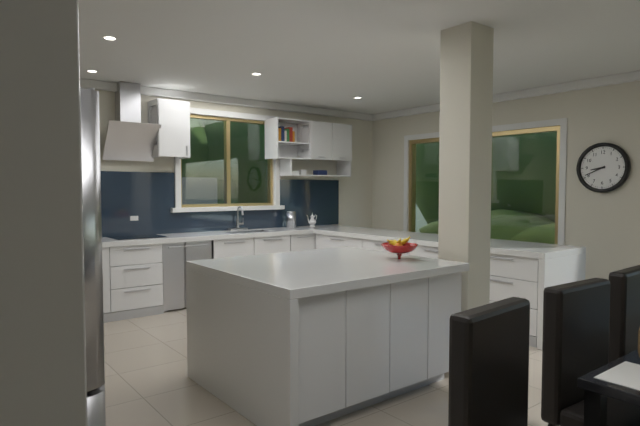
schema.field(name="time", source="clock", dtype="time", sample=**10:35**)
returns **8:41**
